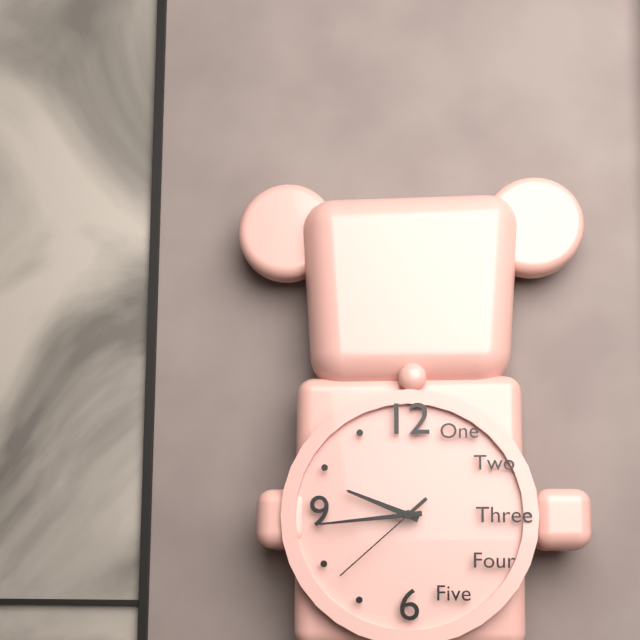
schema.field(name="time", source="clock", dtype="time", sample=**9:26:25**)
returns **9:44:38**
